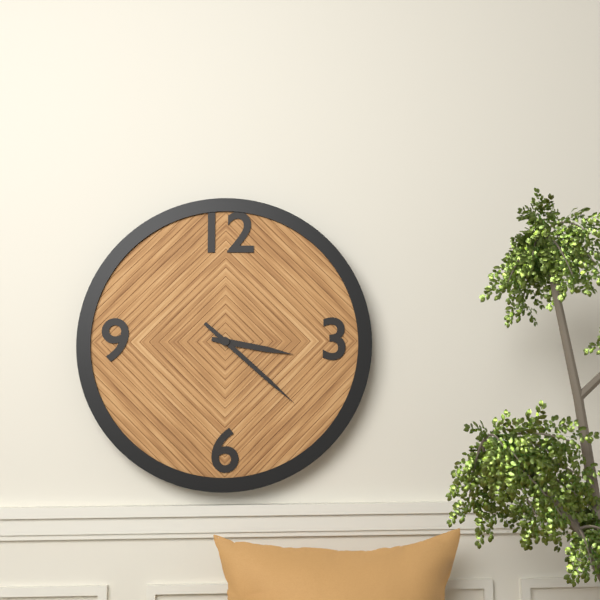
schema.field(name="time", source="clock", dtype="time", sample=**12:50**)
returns **3:22**
